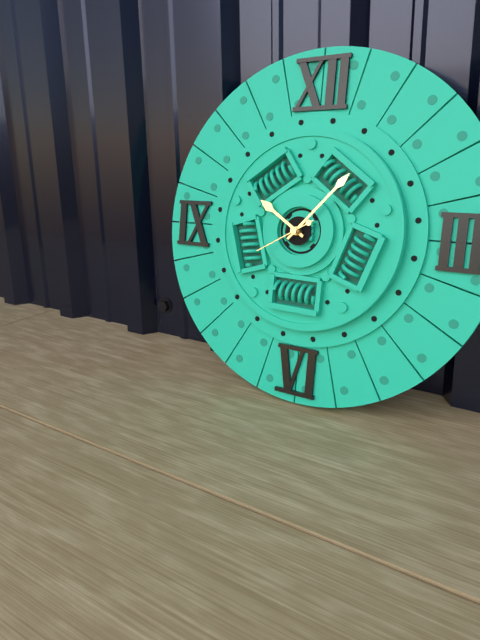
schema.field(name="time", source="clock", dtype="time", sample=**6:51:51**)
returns **10:07:40**
